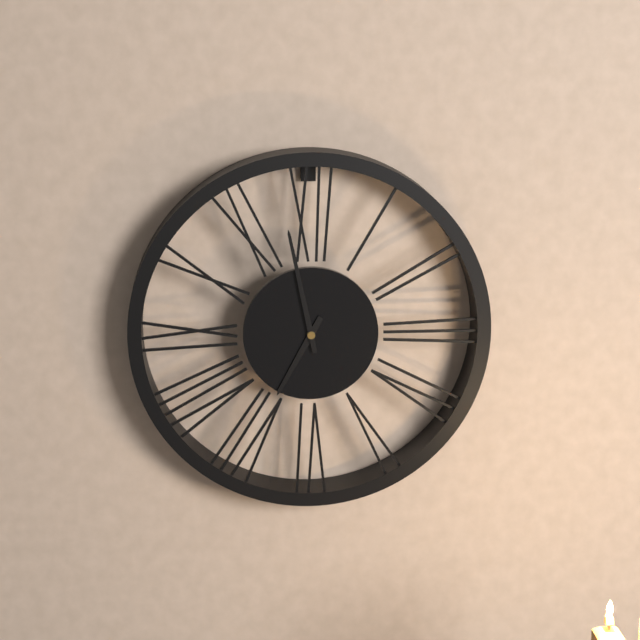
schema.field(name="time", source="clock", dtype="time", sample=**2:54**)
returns **6:58**
